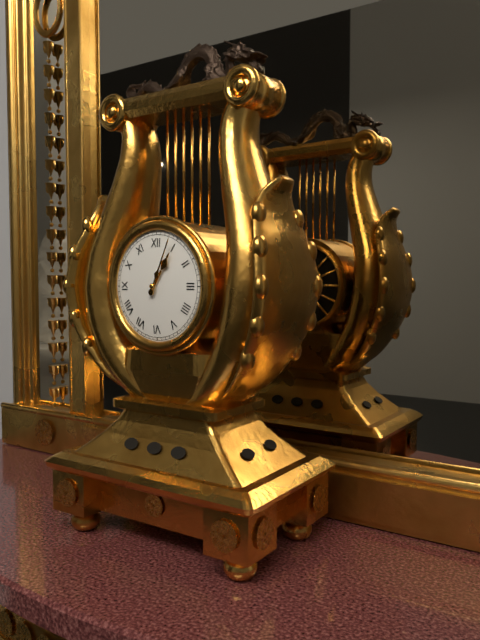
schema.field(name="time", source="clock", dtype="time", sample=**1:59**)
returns **1:04**
